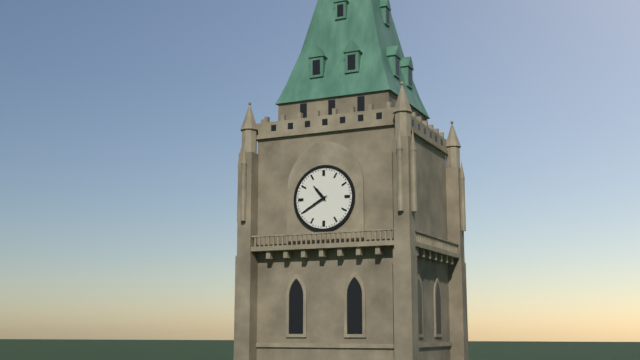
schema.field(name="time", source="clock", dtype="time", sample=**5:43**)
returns **10:40**
